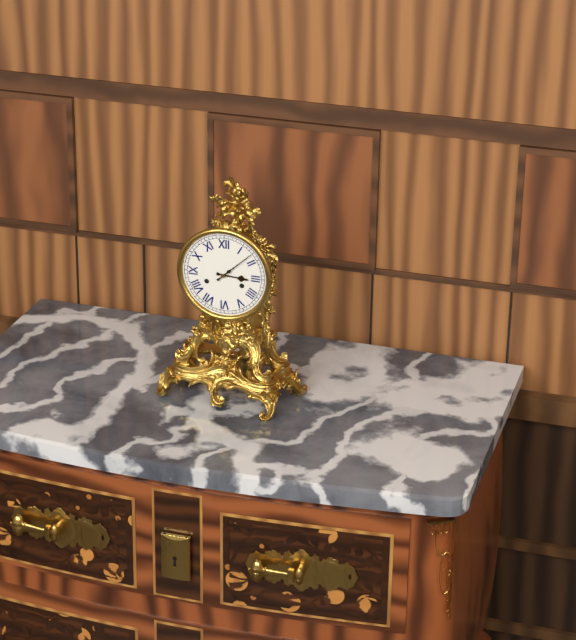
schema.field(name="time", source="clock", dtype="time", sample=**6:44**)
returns **3:08**
